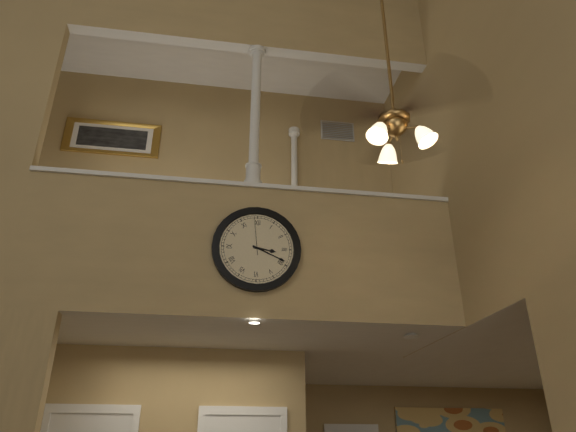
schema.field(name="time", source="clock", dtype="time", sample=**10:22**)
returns **3:19**
